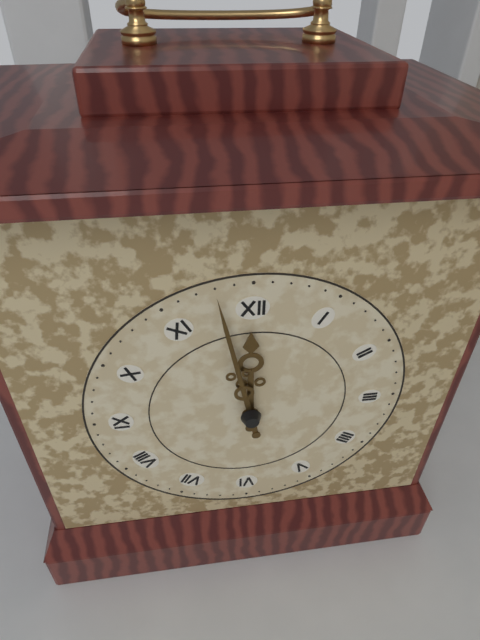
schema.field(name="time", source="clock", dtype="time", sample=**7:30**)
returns **11:58**
